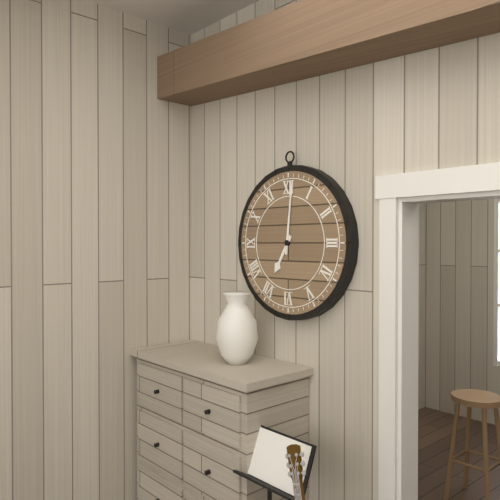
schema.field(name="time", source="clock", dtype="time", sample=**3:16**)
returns **7:01**
